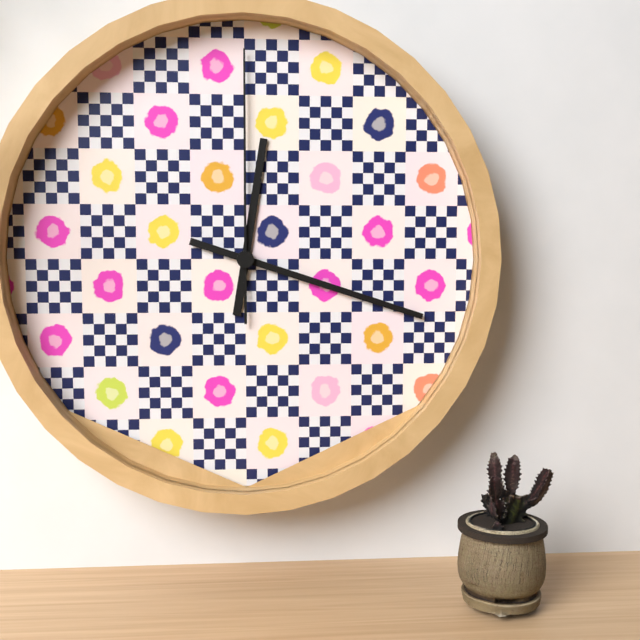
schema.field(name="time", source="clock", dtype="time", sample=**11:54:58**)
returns **12:18:00**
